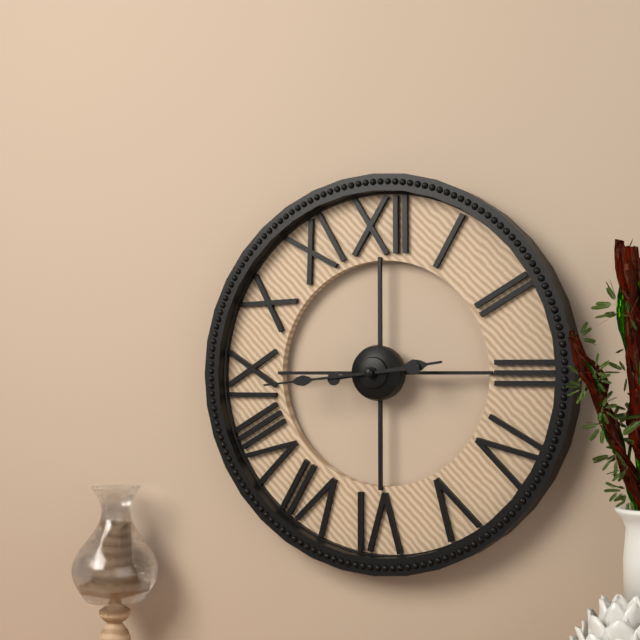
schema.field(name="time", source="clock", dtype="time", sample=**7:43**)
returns **2:44**
